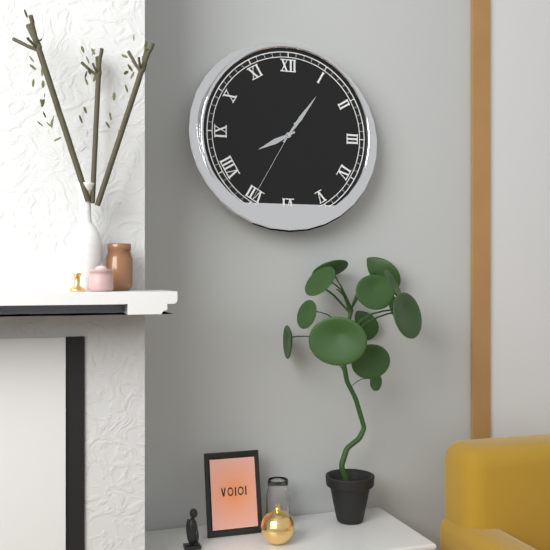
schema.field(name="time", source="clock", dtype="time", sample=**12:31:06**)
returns **8:06:35**
